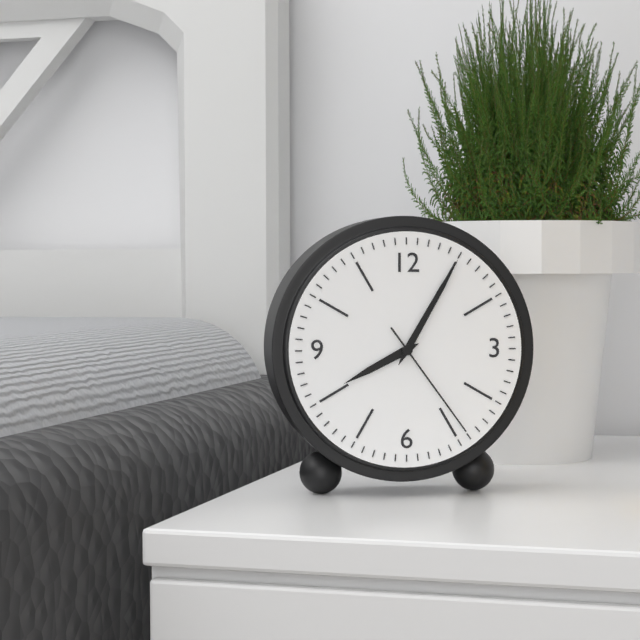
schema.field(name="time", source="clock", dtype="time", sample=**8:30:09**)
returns **8:05:24**
